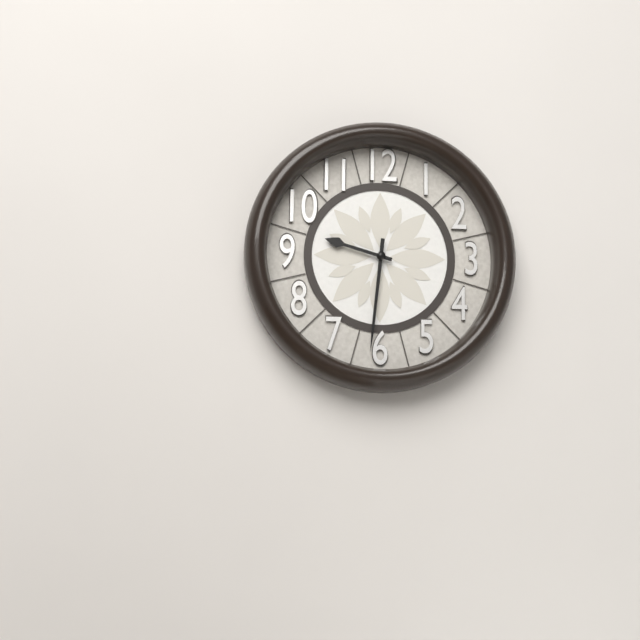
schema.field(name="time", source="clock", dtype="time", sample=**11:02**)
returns **9:31**
